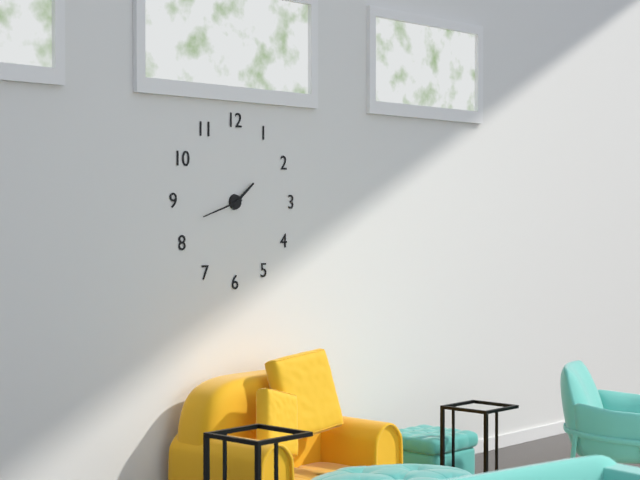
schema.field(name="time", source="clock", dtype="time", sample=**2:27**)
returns **1:42**
